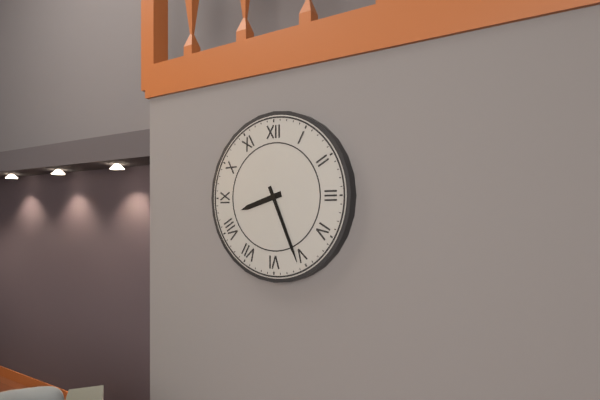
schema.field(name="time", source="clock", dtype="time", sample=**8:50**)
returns **8:26**
